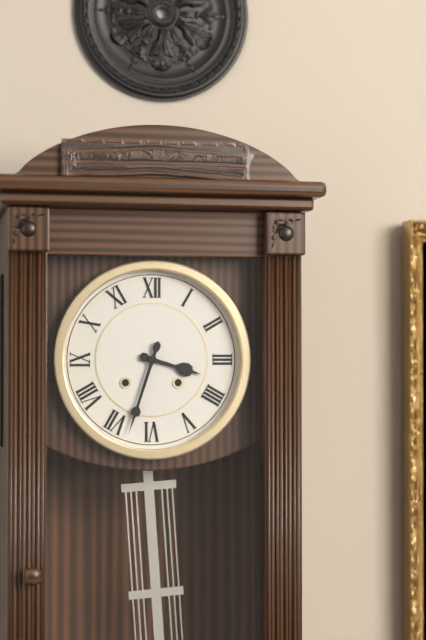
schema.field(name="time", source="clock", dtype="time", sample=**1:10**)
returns **3:33**
